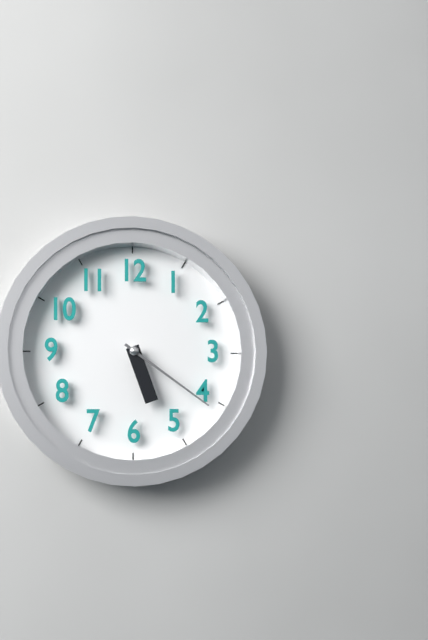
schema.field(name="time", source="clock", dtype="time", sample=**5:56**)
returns **5:21**
